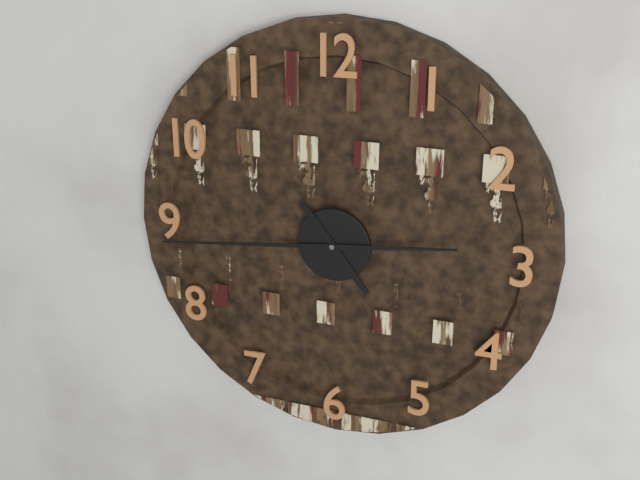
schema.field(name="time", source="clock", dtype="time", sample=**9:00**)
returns **4:44**
